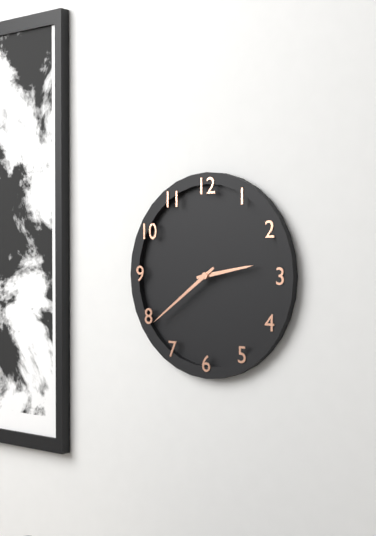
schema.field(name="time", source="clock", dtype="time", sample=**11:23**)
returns **2:39**
